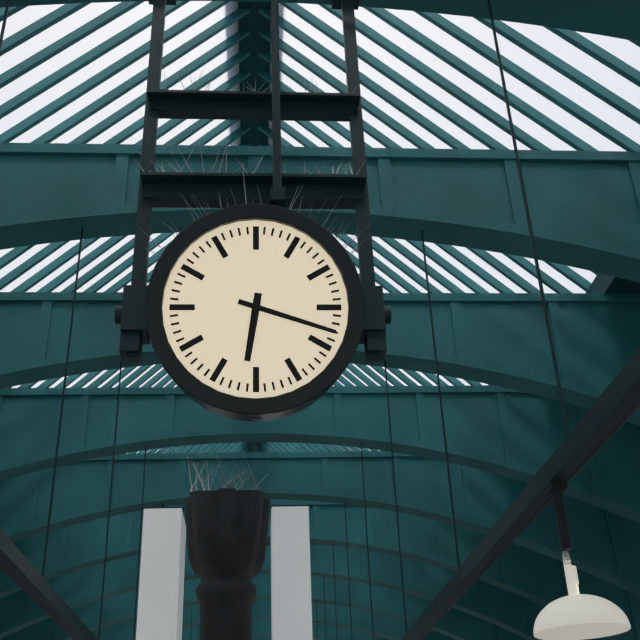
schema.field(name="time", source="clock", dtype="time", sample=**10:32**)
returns **6:18**
